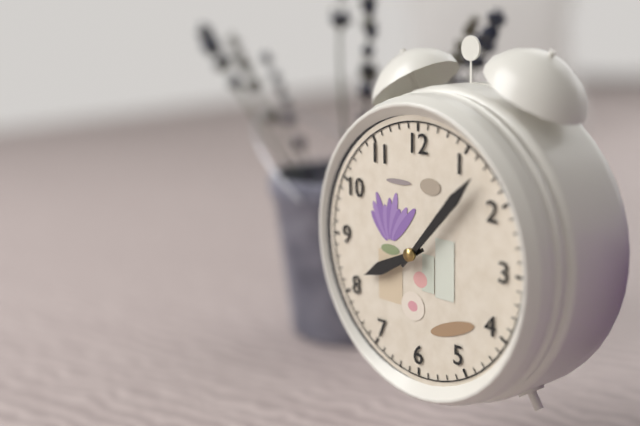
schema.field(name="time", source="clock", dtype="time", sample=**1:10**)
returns **8:07**
